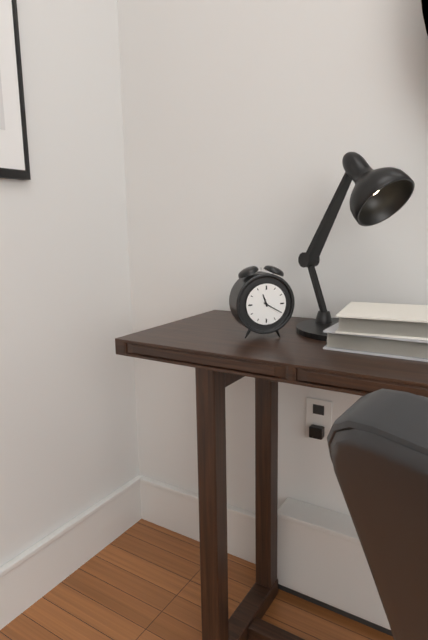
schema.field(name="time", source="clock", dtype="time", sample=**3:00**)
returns **11:20**
